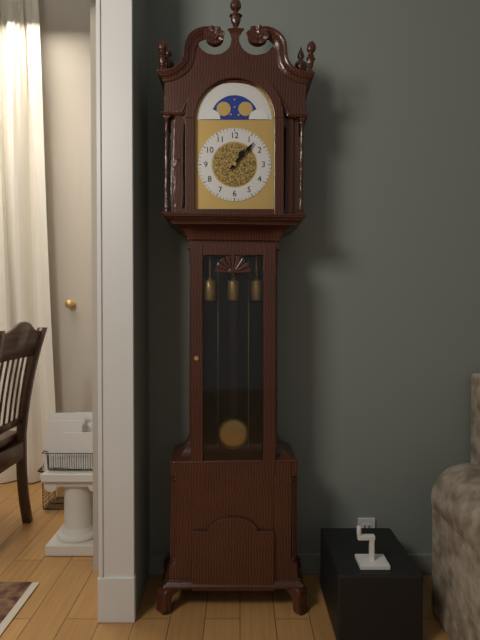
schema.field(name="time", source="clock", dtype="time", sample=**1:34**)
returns **1:07**
